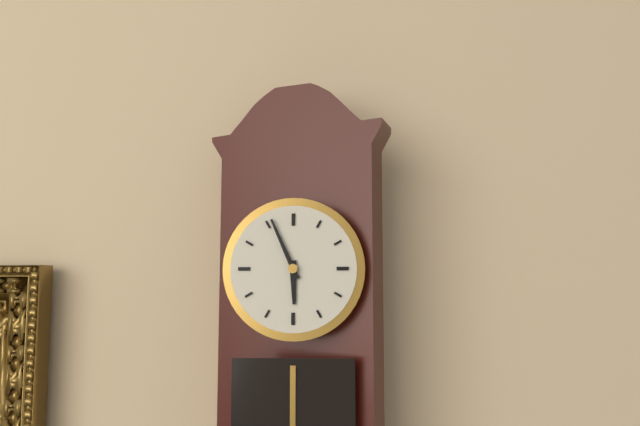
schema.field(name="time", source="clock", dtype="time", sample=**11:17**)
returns **5:56**
